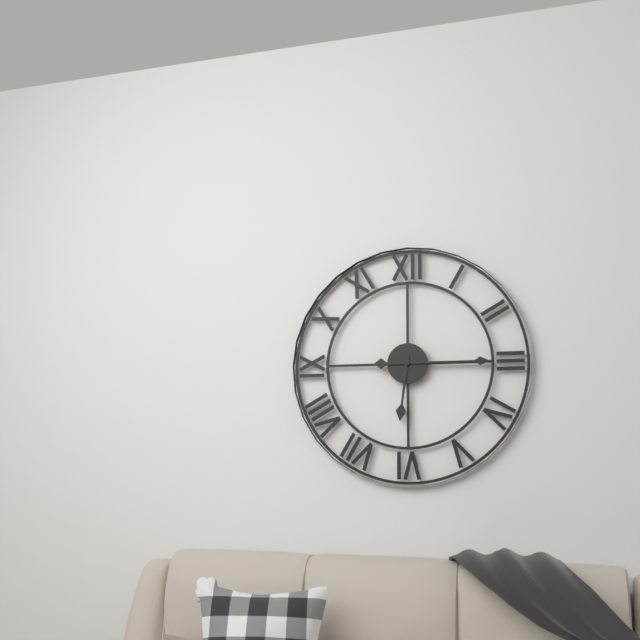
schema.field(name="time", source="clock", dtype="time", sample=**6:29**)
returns **6:15**
